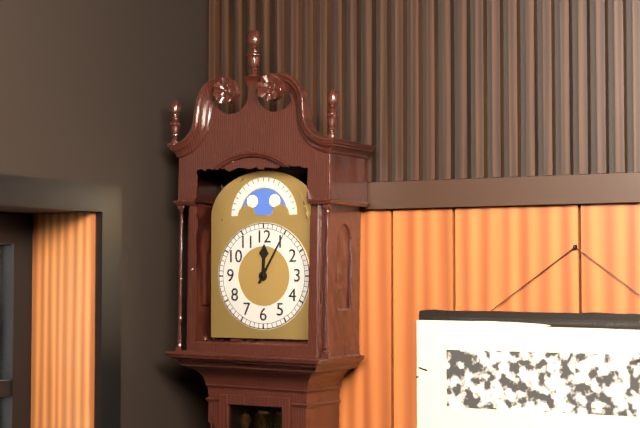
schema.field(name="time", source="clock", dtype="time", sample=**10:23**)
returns **12:05**
